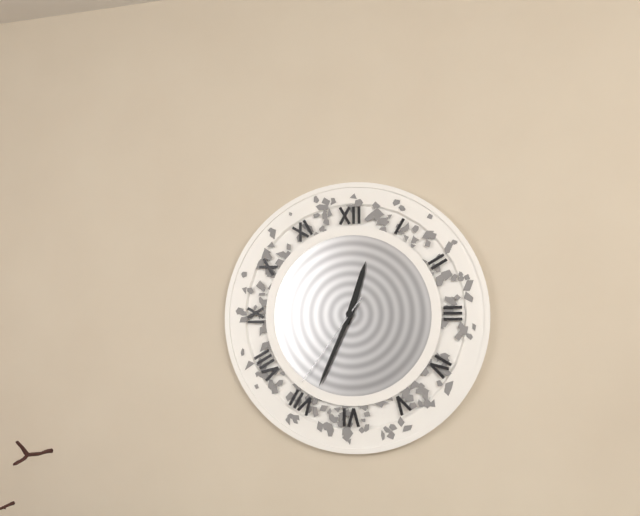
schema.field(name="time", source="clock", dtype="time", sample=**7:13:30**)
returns **12:34:36**
